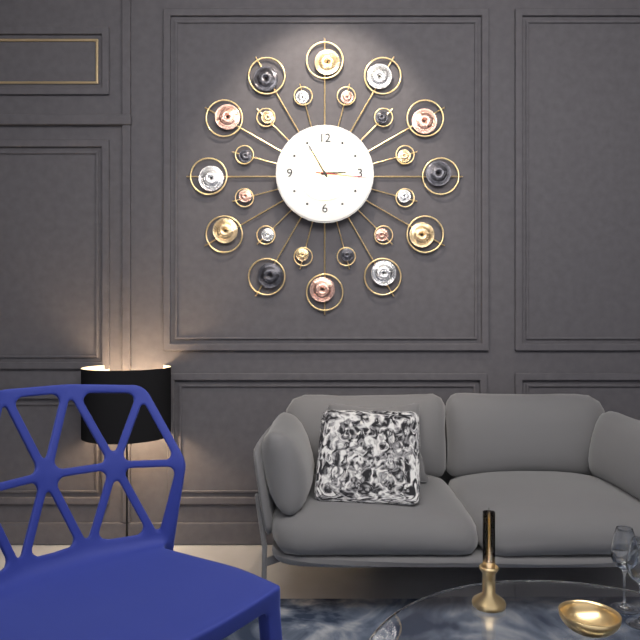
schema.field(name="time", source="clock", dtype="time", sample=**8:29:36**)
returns **2:55:16**
